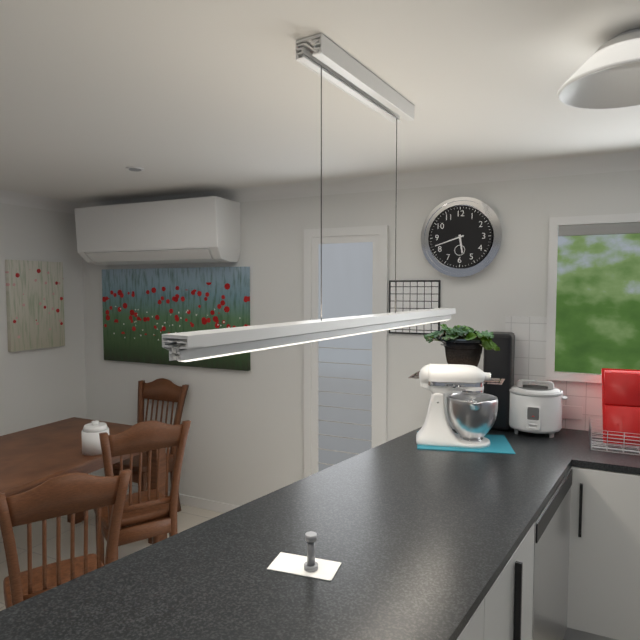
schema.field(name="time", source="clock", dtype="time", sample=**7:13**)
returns **5:42**
